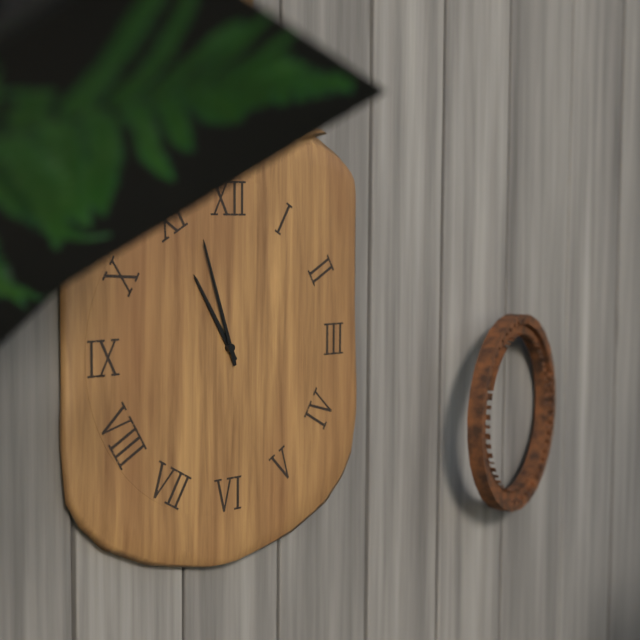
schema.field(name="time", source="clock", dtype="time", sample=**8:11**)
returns **10:57**
